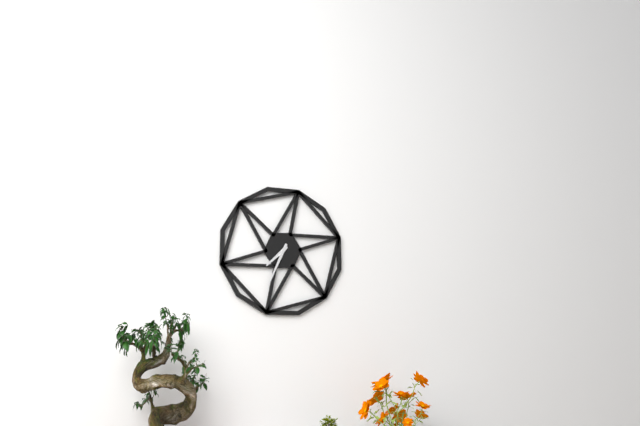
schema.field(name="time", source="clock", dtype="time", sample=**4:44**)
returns **7:34**
